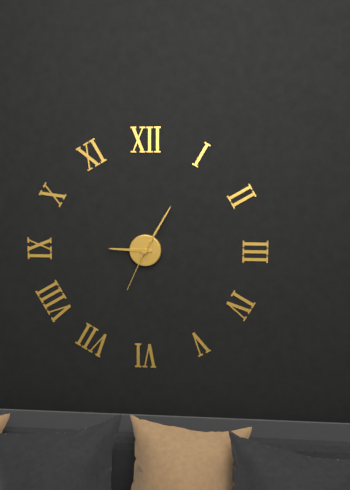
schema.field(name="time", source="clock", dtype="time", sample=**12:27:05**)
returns **9:05:34**
